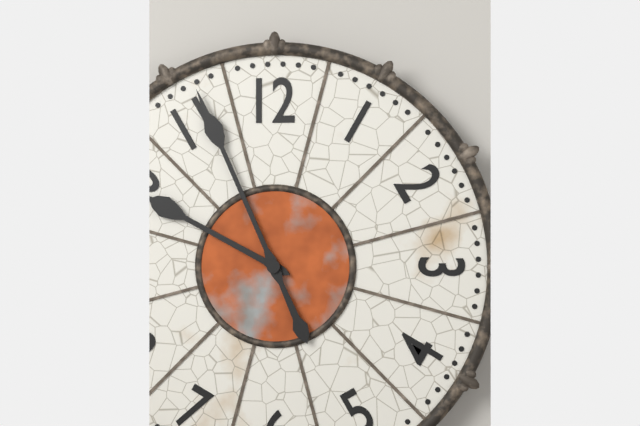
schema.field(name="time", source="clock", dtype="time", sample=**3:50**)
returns **9:56**
